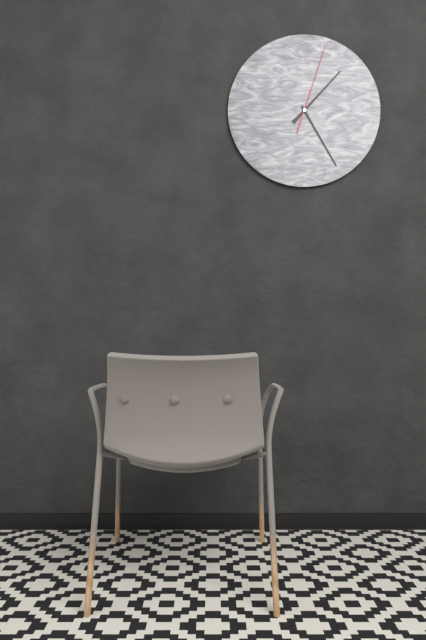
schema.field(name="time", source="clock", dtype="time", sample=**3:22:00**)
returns **1:25:03**
